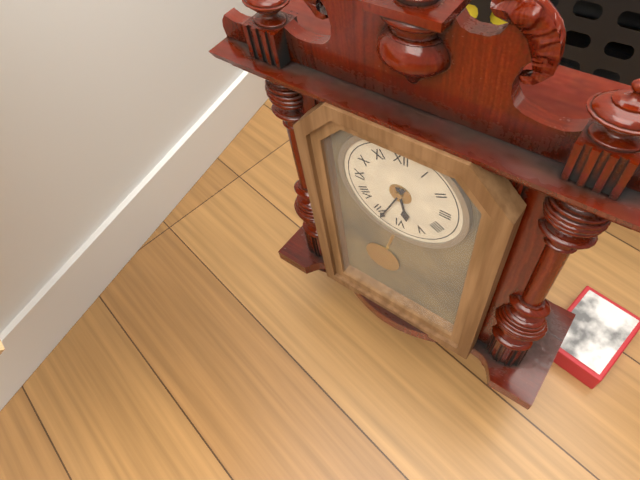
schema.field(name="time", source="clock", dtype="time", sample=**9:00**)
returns **5:34**
